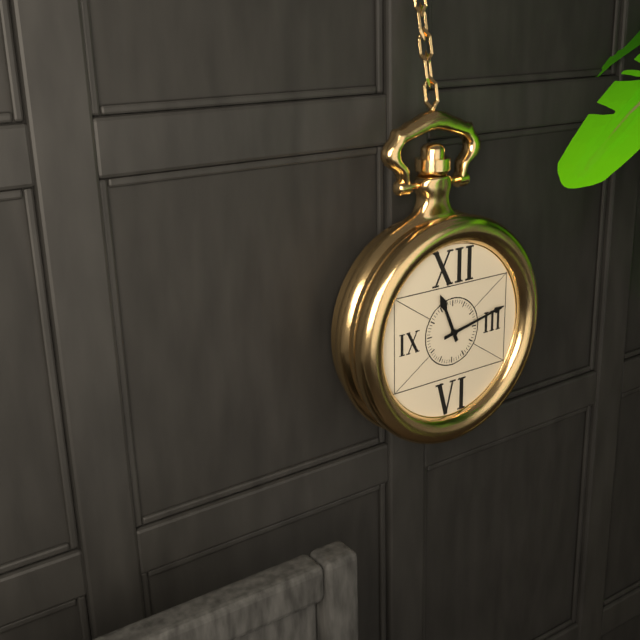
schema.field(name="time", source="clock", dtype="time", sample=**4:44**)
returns **11:13**
